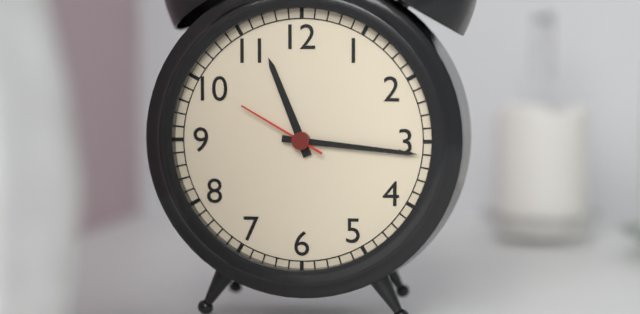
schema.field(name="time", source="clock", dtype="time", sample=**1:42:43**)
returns **11:16:50**
